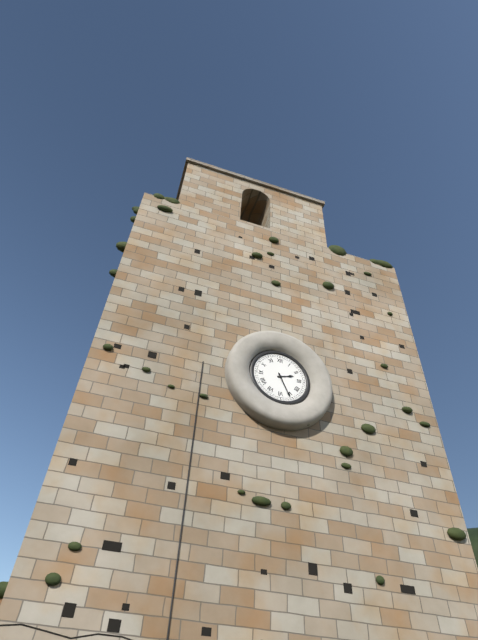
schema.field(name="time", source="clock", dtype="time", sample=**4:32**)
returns **2:26**
